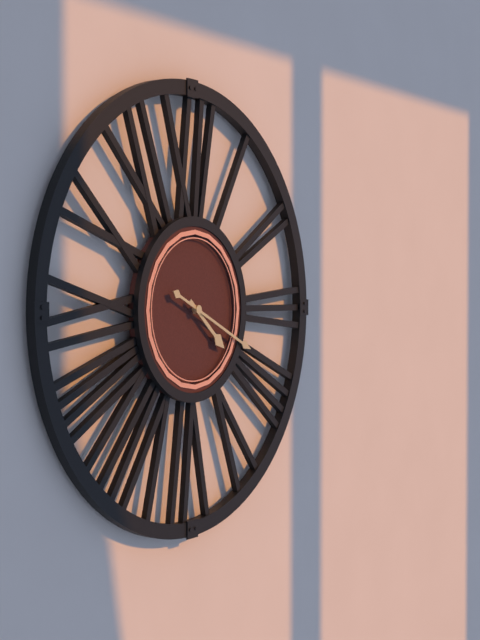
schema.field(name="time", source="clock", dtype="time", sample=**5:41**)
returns **4:19**
